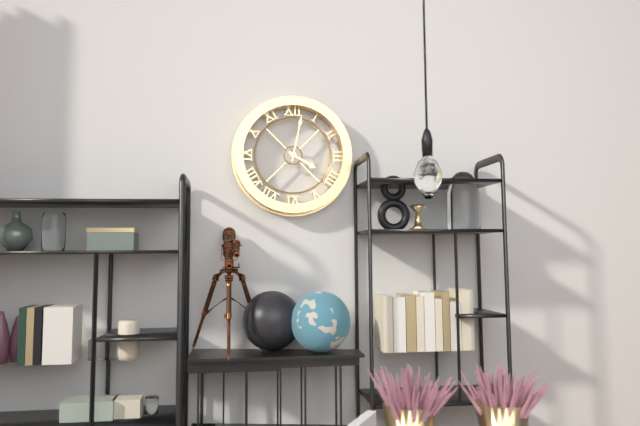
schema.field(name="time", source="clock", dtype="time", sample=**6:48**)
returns **4:02**
